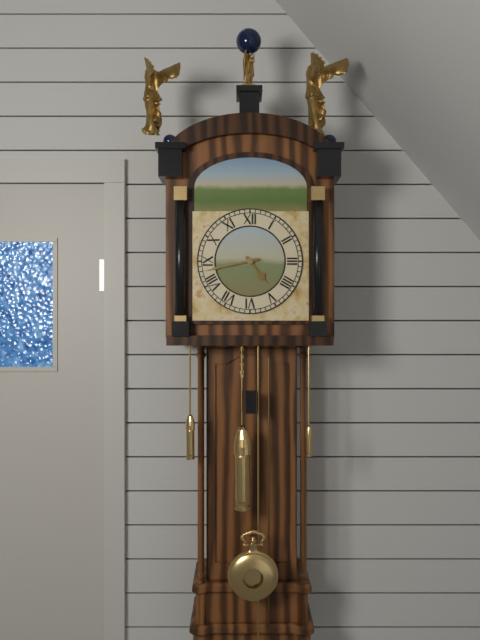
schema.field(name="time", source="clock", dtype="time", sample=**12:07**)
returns **4:43**
